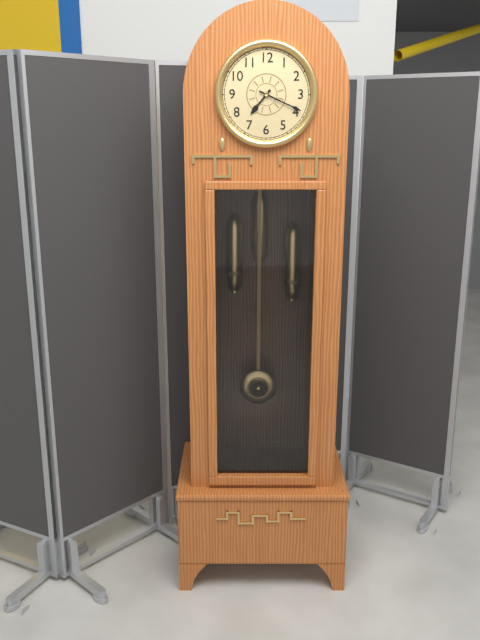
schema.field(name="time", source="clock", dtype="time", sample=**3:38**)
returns **7:19**
